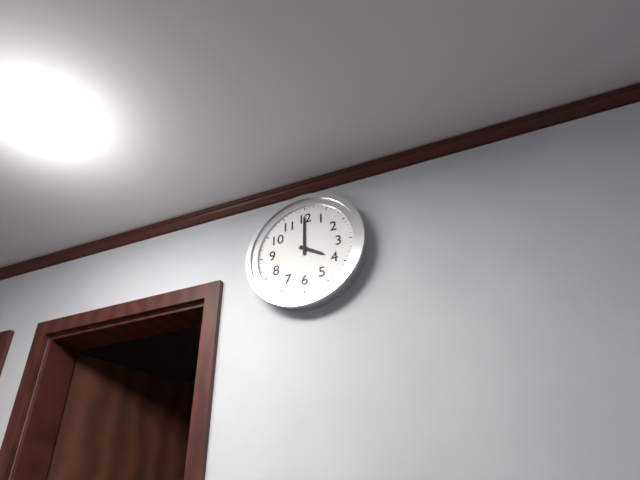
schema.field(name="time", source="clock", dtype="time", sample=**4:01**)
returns **4:00**
